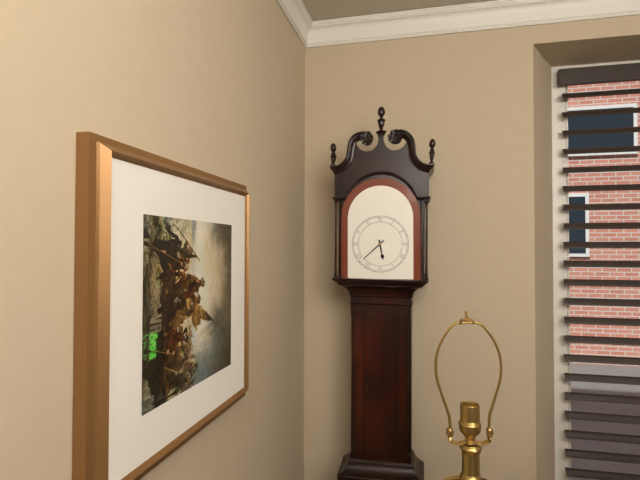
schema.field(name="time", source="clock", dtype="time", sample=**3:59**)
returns **5:38**
